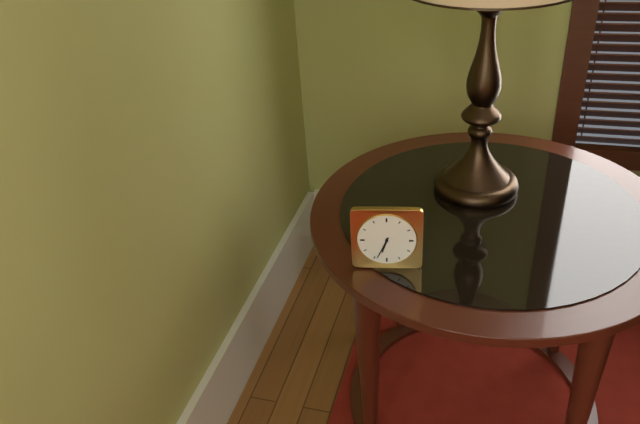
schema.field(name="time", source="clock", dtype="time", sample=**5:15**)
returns **6:34**
